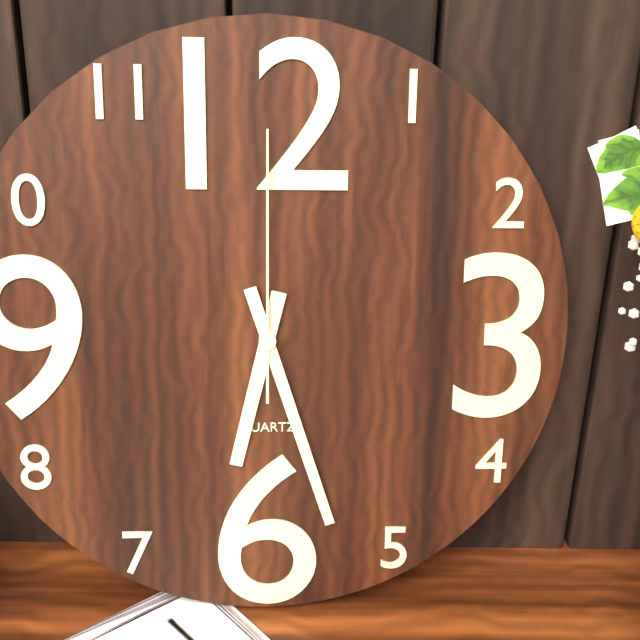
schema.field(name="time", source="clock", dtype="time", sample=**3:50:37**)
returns **6:27:00**
